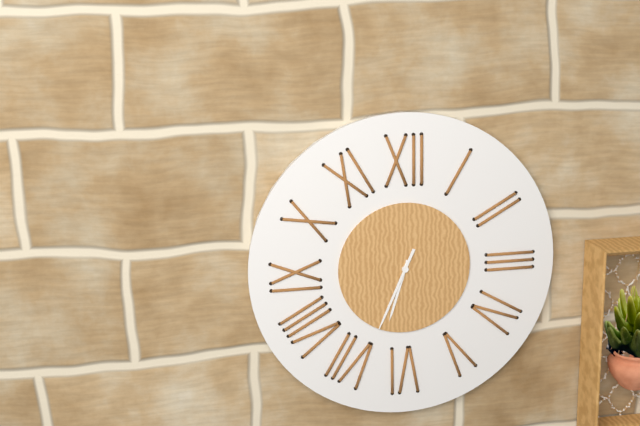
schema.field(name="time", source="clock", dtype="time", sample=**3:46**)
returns **6:34**
